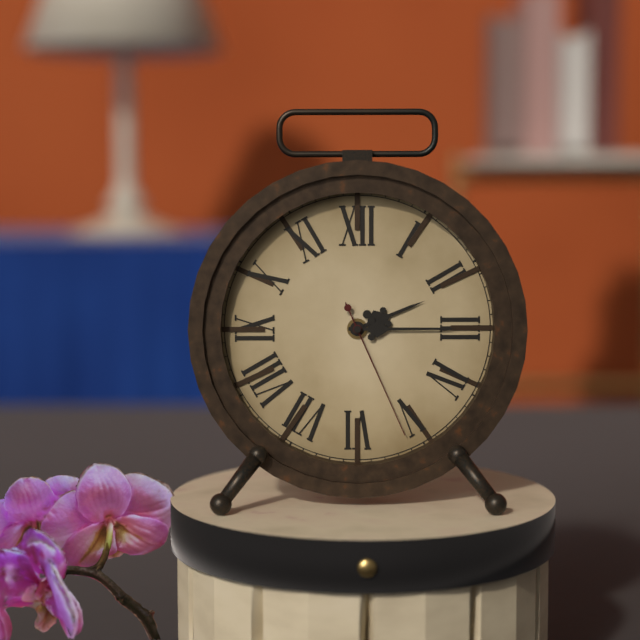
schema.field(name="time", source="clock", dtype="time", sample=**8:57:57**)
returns **2:15:26**
